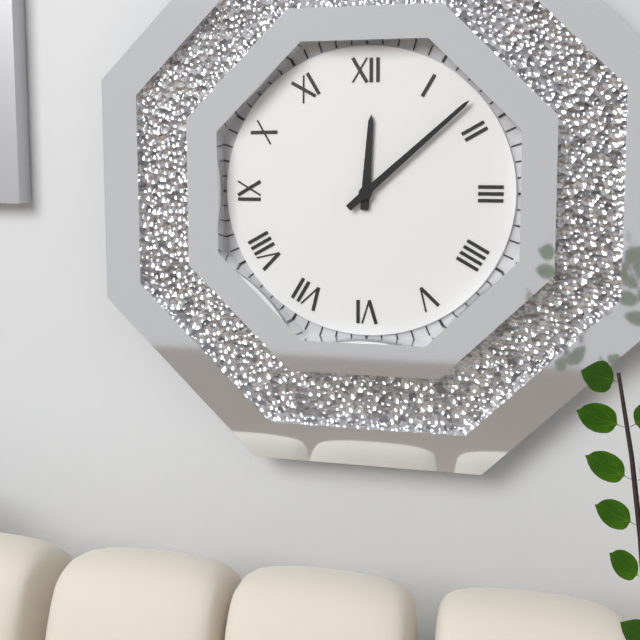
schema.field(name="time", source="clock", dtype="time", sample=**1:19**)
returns **12:08**
